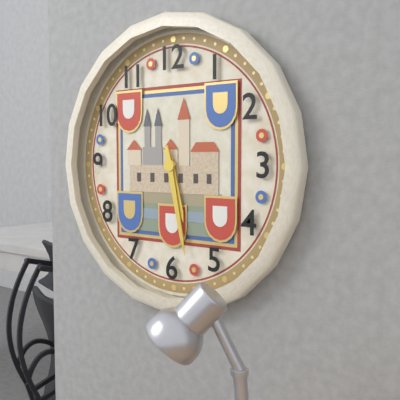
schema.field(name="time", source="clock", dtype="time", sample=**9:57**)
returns **5:28**
